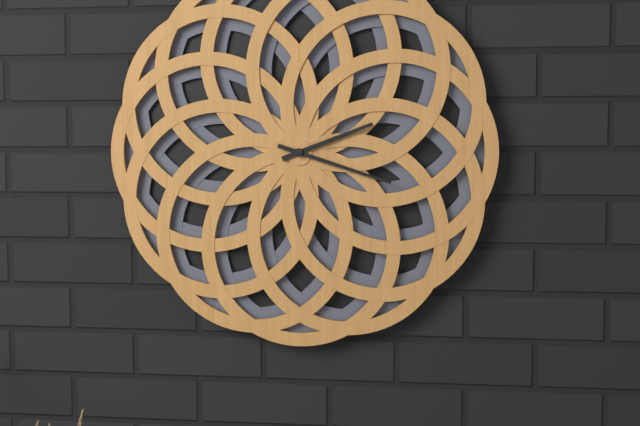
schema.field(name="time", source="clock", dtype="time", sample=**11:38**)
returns **2:18**
